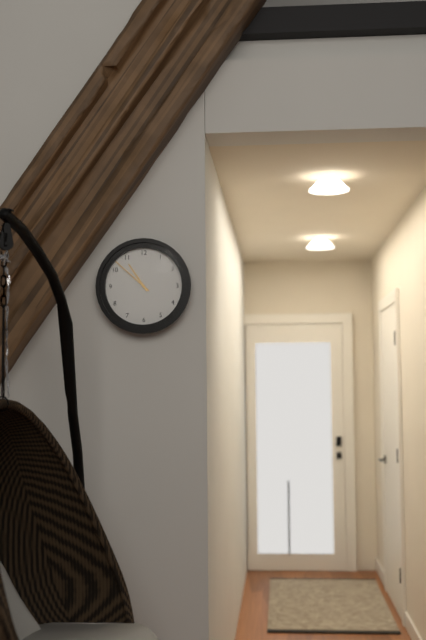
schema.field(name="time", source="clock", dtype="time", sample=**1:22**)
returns **10:52**
